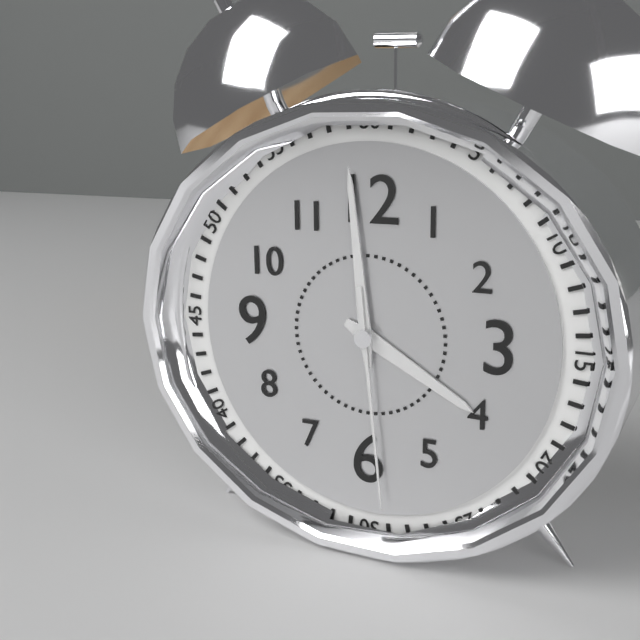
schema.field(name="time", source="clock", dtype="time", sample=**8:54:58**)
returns **3:59:29**
